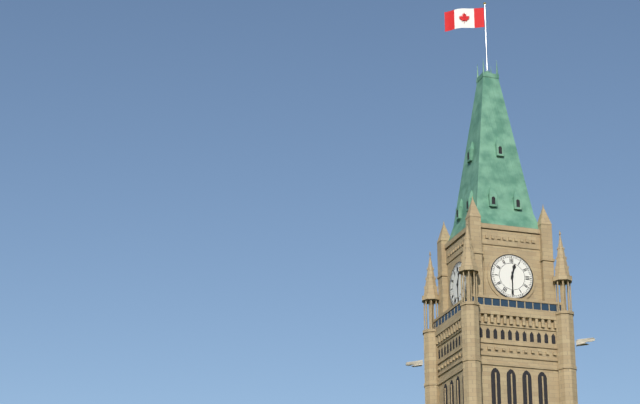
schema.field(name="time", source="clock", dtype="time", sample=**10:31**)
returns **12:30**
